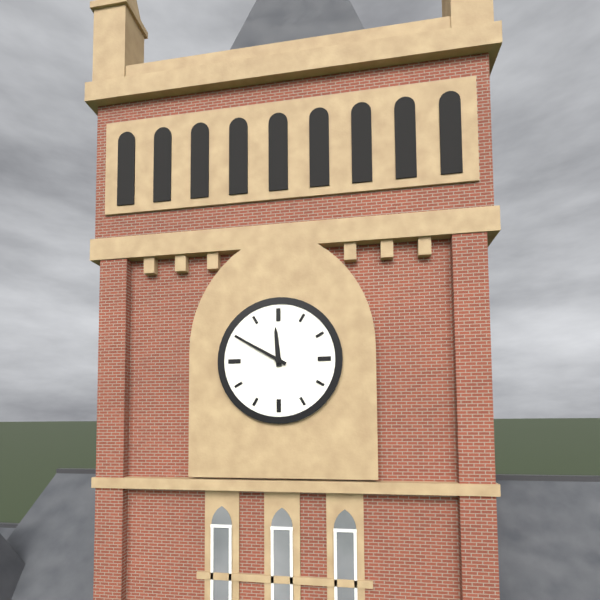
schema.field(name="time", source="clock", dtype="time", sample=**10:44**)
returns **11:50**
